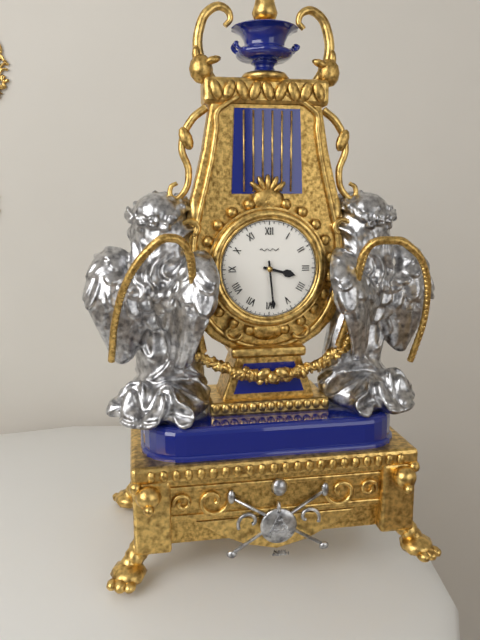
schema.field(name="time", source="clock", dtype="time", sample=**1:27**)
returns **3:29**
